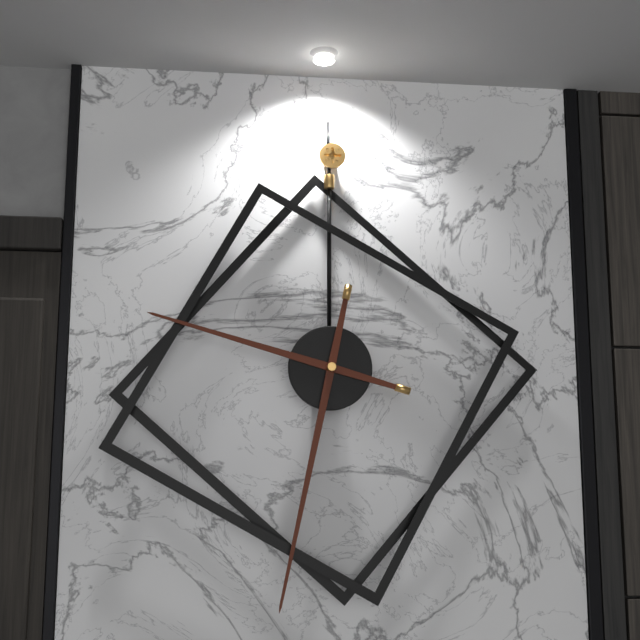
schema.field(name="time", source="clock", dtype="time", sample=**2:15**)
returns **9:32**
